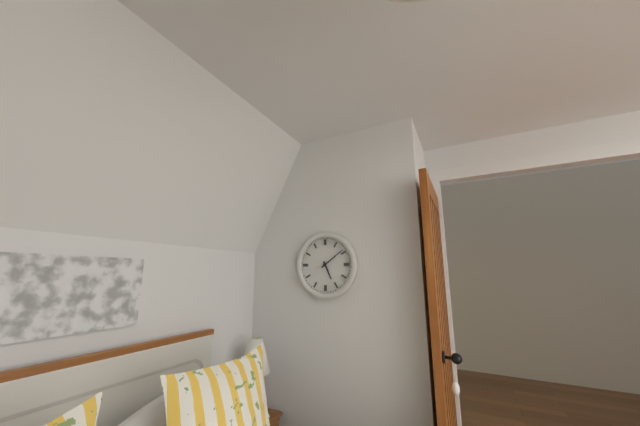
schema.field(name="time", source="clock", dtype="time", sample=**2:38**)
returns **5:09**
